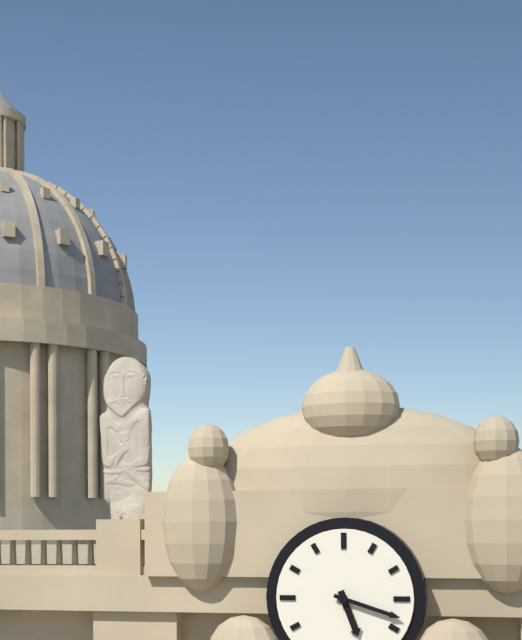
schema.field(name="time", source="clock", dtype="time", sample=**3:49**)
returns **5:18**
